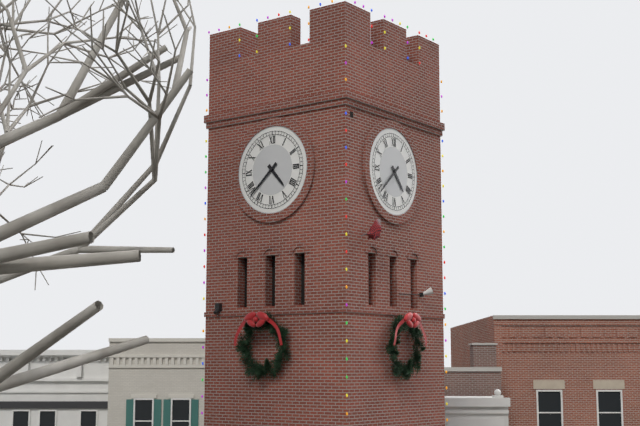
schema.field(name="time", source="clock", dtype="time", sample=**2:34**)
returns **4:38**
